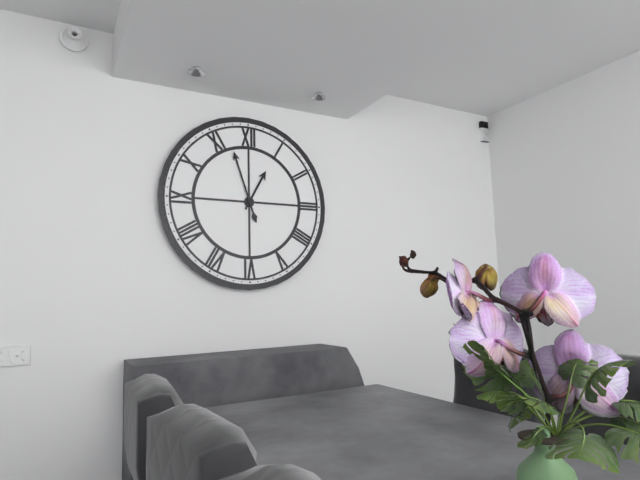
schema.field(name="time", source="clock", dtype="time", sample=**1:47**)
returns **12:57**
